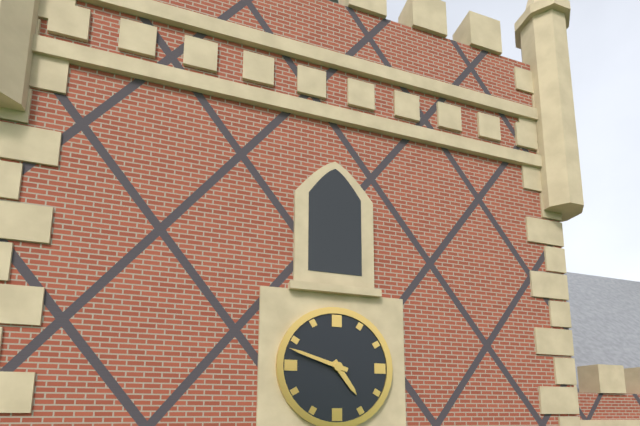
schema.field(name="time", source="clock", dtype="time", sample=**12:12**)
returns **4:48**
